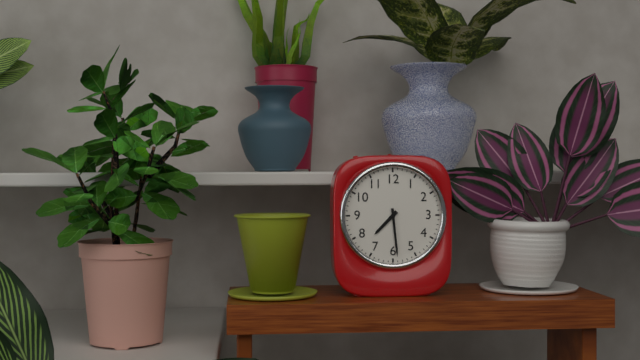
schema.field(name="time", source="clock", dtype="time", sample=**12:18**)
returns **7:29**
